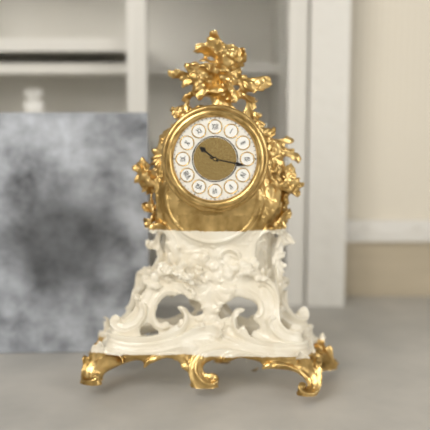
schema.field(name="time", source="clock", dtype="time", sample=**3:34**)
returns **10:17**
